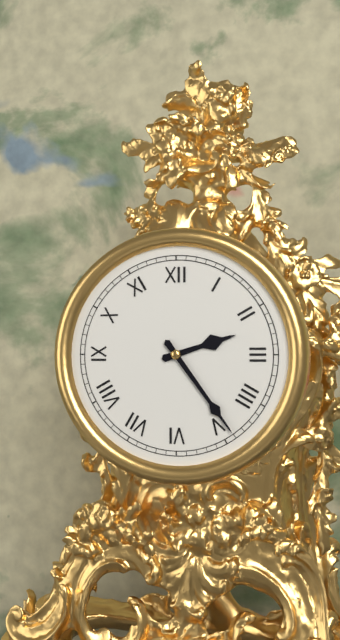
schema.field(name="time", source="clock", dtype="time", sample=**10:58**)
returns **2:24**
